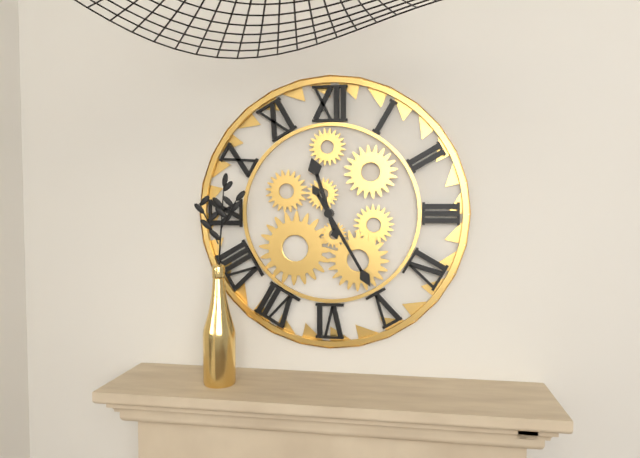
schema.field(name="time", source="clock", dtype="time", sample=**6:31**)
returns **11:25**
